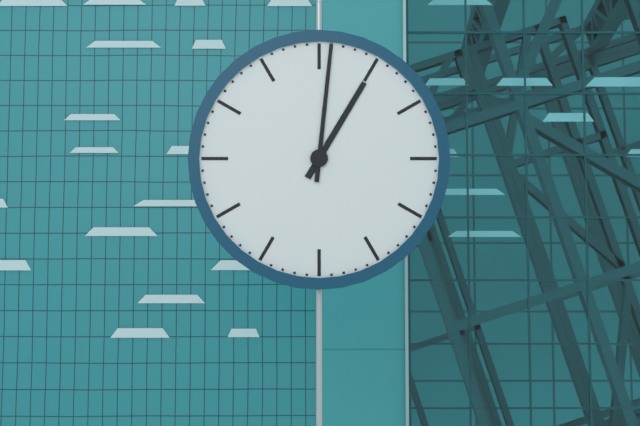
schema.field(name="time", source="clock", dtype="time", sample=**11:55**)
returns **1:01**
